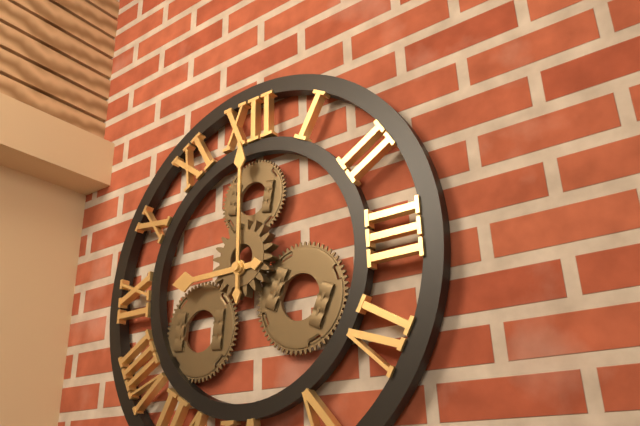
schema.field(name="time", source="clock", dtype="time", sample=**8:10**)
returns **9:00**
